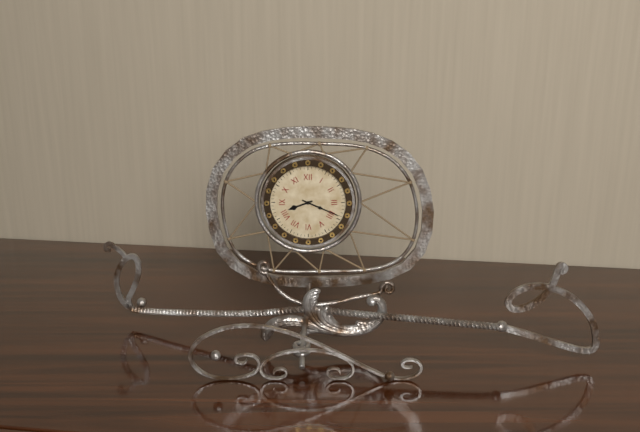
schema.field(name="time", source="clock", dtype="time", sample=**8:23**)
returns **8:19**
